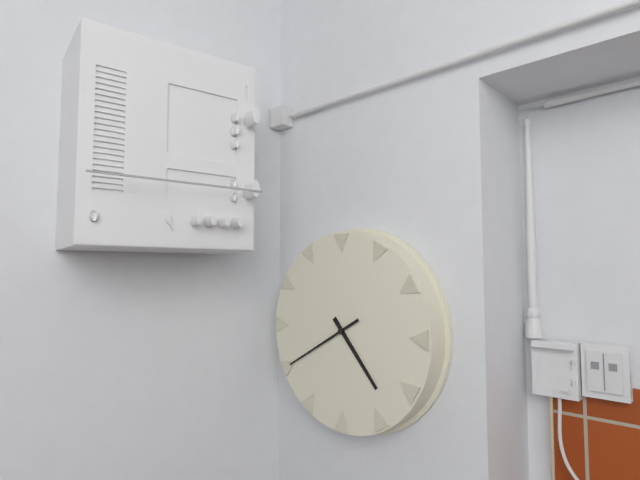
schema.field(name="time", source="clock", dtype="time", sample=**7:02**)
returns **4:40**
